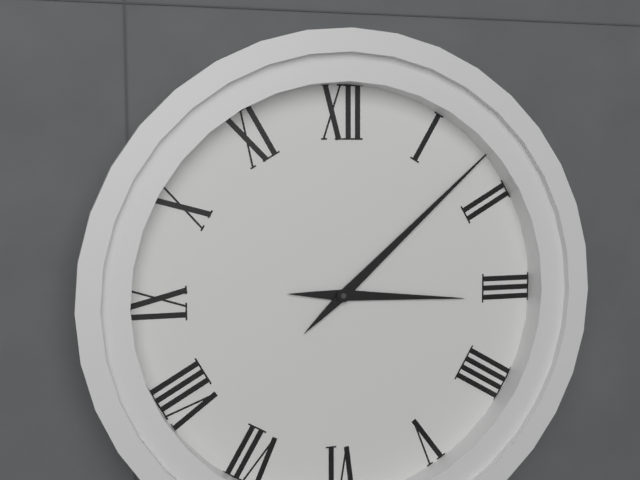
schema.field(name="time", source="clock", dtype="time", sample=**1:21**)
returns **3:08**
